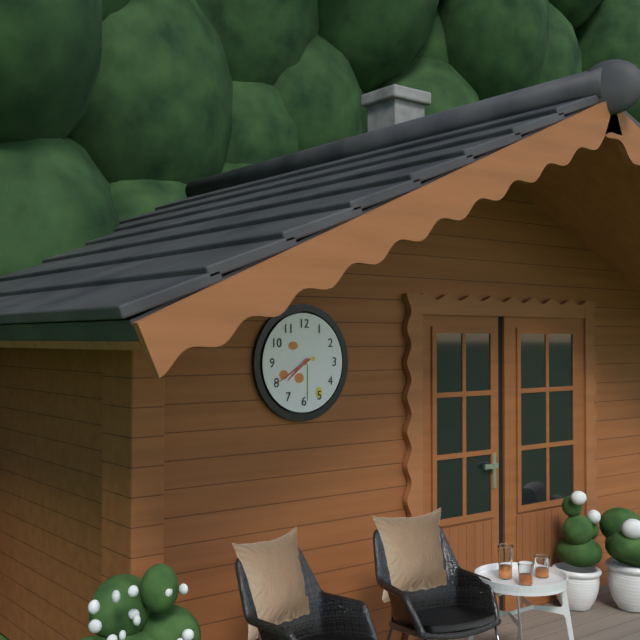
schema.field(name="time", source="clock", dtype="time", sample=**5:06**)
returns **7:40**
